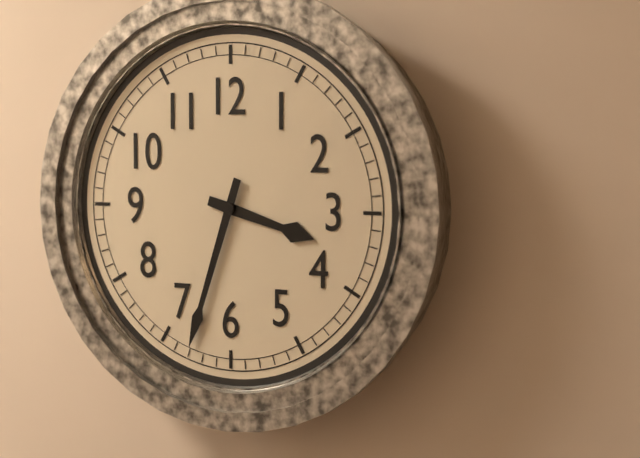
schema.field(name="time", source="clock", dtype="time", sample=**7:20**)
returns **3:33**
